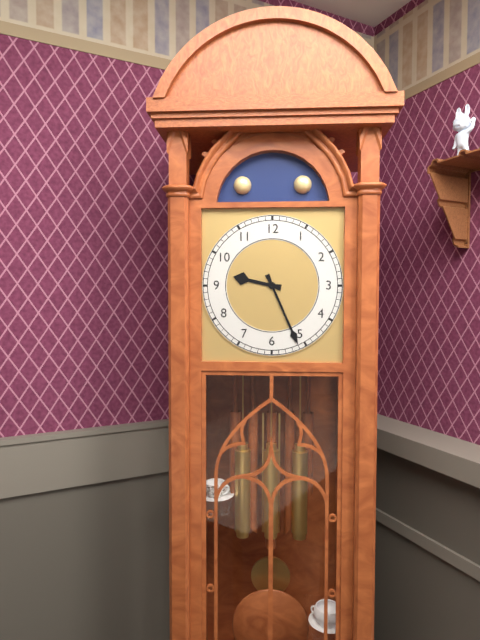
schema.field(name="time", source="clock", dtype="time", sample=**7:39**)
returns **9:26**
